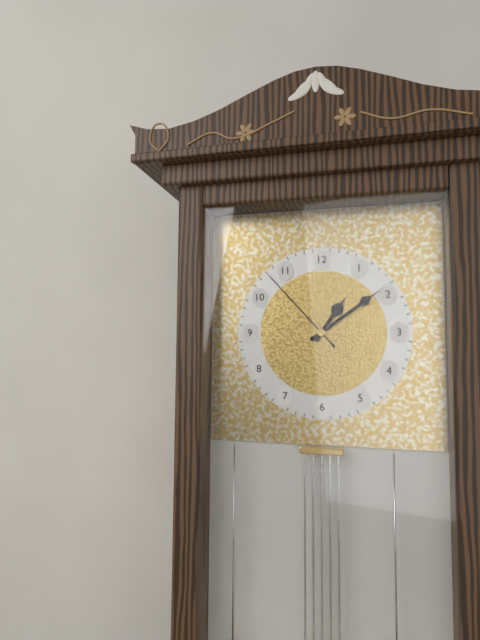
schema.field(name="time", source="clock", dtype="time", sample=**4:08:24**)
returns **1:09:53**
